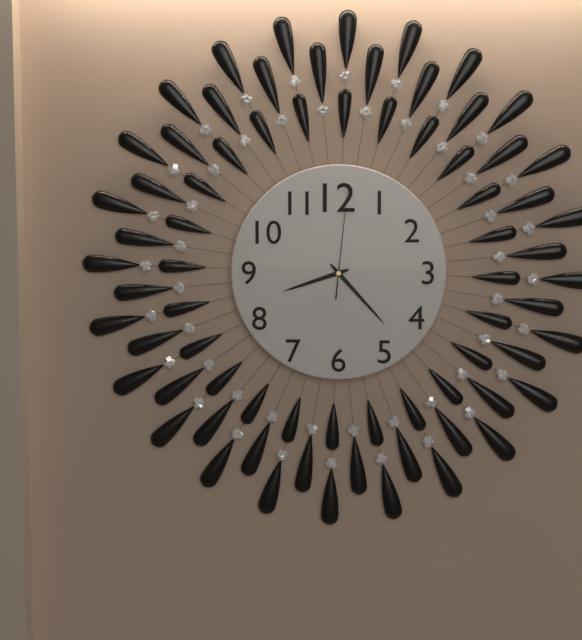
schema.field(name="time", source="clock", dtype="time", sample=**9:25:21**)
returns **8:23:01**
